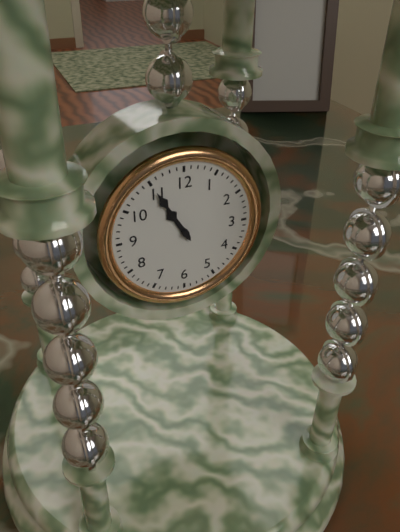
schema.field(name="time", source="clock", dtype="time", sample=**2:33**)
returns **10:55**
